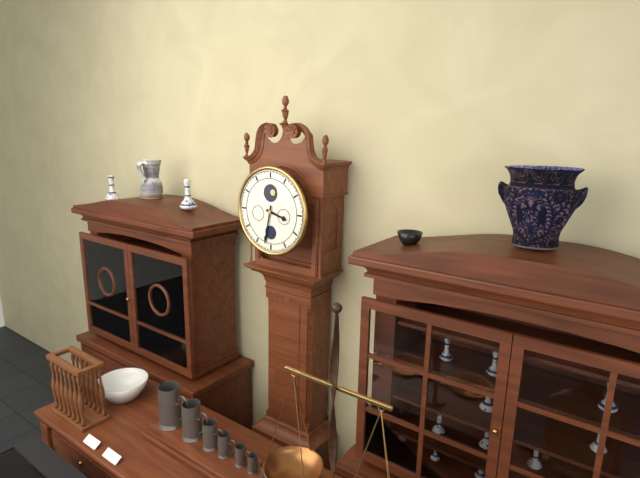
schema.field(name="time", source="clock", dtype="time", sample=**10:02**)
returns **3:32**
